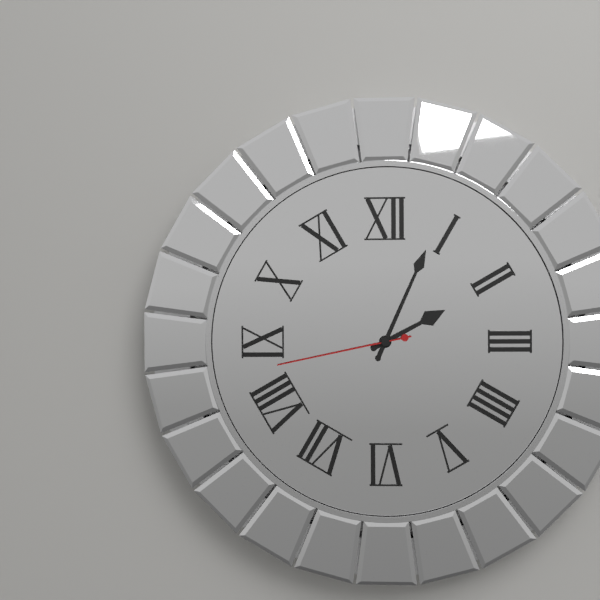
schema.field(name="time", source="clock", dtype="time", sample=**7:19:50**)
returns **2:04:43**
